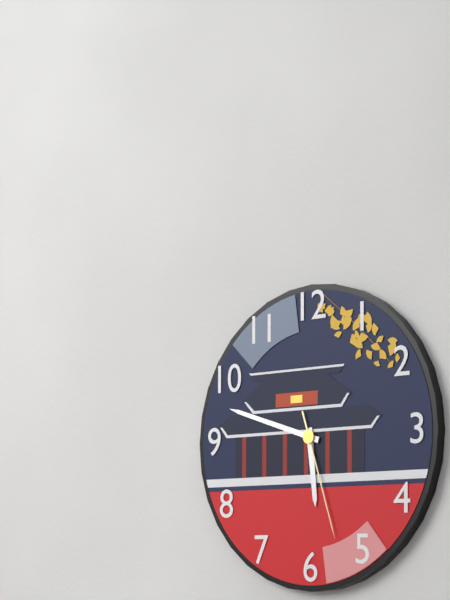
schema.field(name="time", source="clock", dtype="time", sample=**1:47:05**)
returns **5:48:27**
